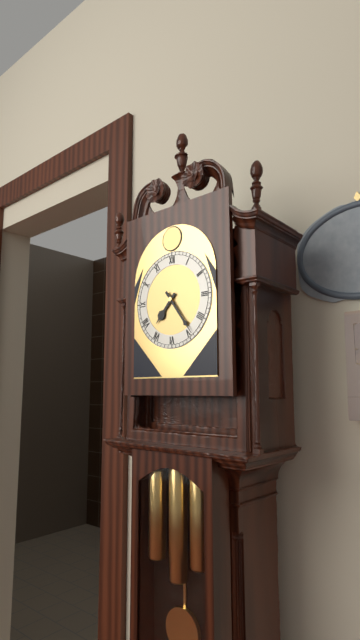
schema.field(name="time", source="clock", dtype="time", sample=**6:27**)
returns **7:24**
